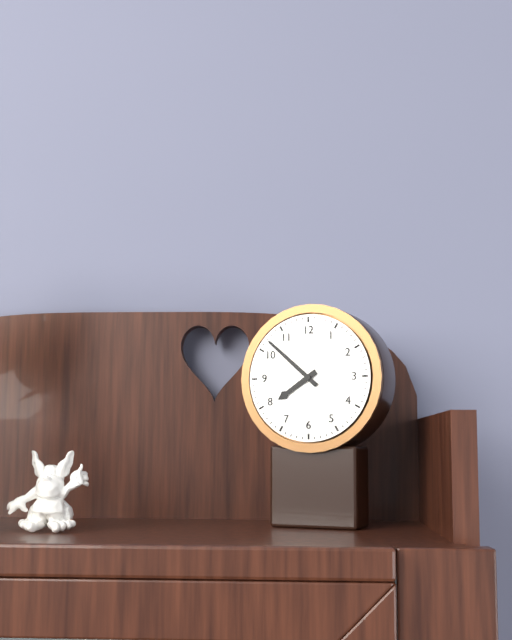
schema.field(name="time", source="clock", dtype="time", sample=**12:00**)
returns **7:52**
